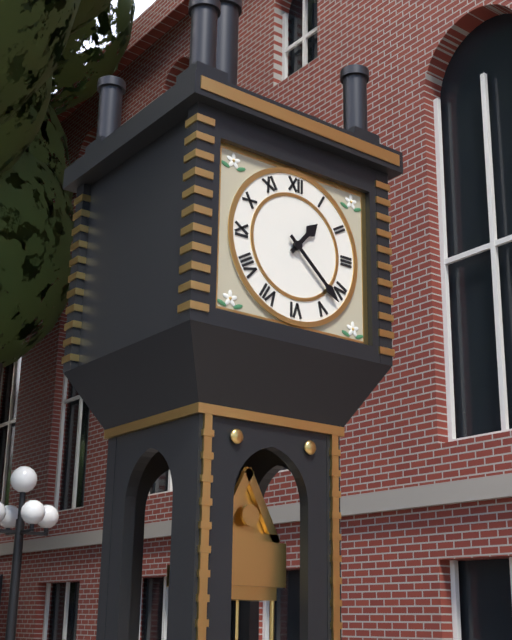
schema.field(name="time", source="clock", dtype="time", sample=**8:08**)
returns **1:22**
